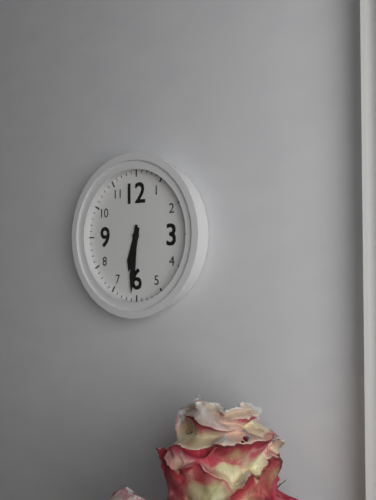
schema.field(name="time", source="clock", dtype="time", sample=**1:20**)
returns **6:31**
